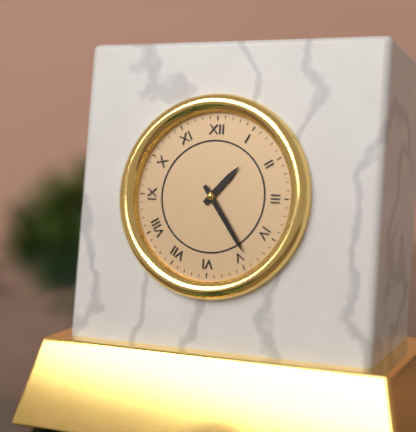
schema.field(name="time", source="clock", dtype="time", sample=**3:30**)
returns **1:24**
